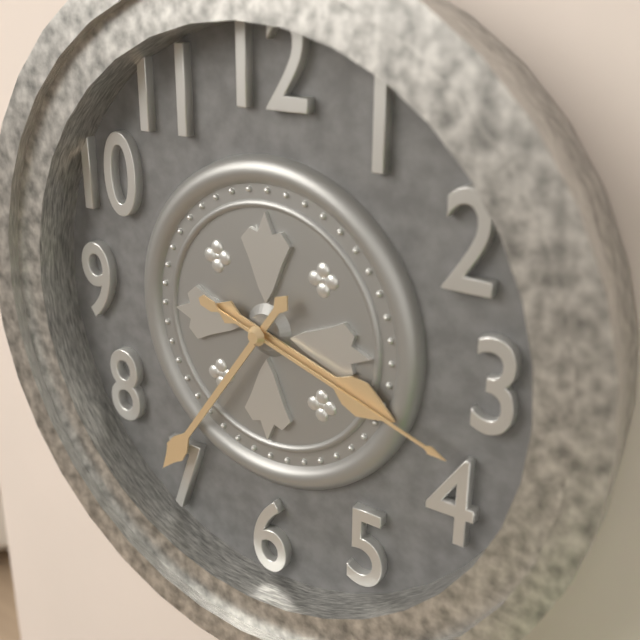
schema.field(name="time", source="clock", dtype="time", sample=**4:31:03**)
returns **3:36:18**
